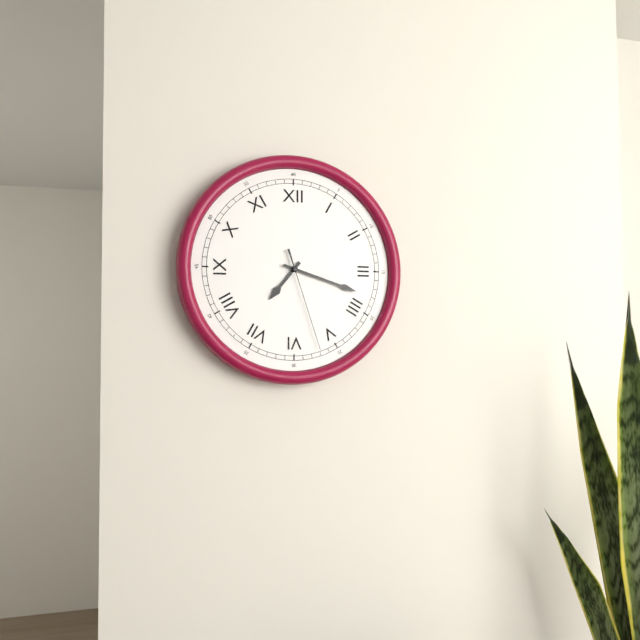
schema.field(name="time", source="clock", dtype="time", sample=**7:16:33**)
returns **7:18:27**
